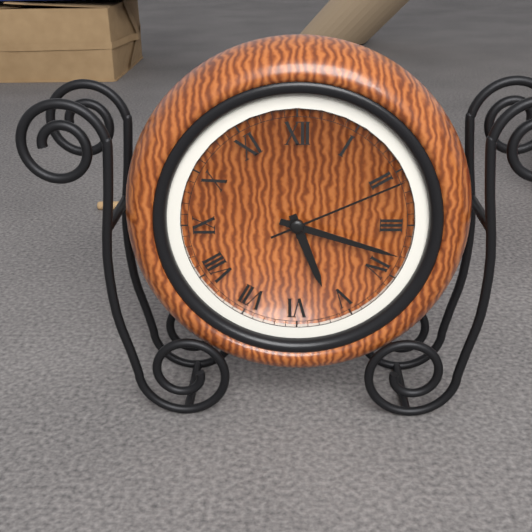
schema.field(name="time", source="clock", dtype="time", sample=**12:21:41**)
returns **5:18:11**
